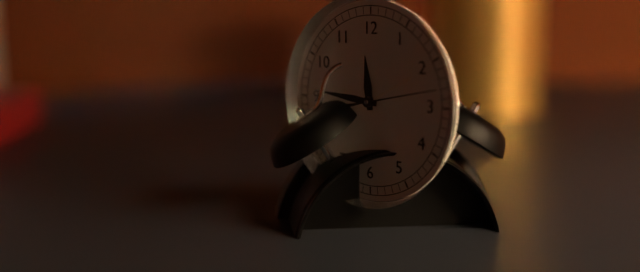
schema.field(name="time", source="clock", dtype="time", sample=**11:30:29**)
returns **11:46:13**
